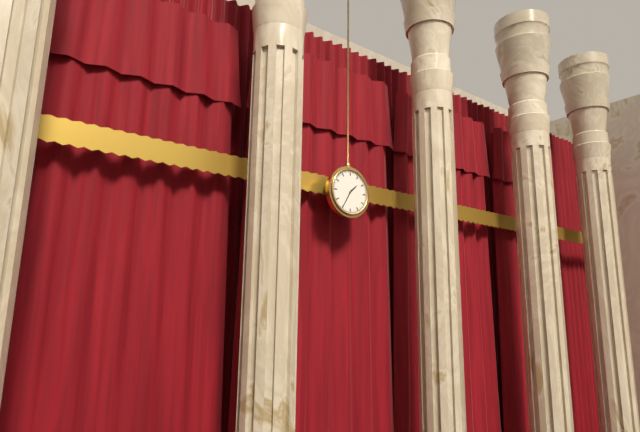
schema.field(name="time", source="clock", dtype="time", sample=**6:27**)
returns **1:35**
